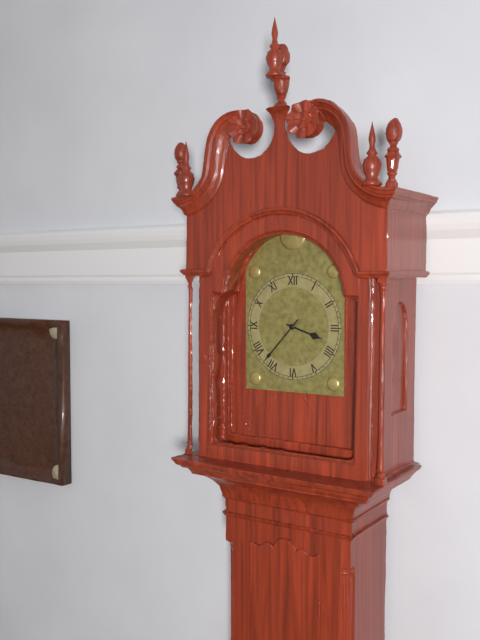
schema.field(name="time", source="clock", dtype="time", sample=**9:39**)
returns **3:37**
